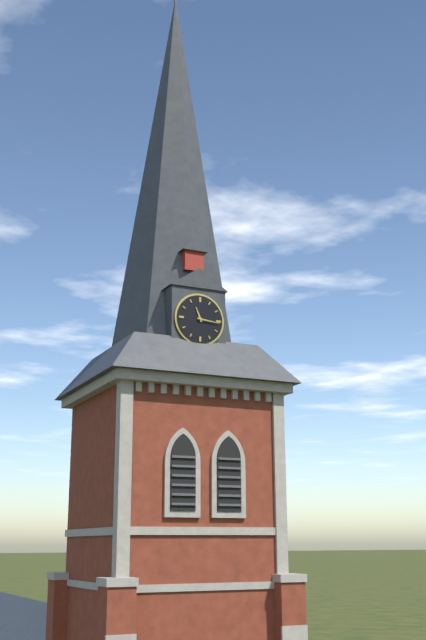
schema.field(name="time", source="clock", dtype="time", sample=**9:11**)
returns **11:16**
